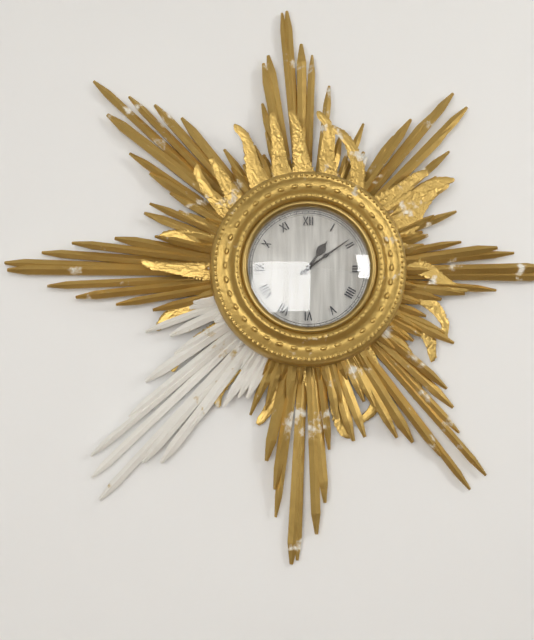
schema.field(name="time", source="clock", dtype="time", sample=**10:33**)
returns **1:09**
